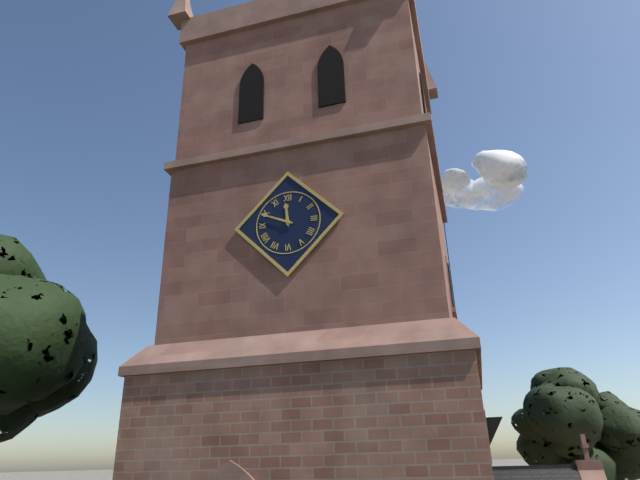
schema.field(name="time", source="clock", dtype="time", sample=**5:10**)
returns **11:49**
